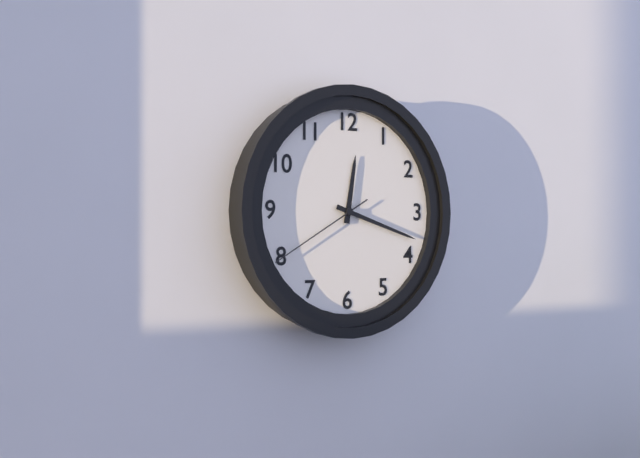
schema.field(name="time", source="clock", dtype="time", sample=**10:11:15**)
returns **12:18:40**
